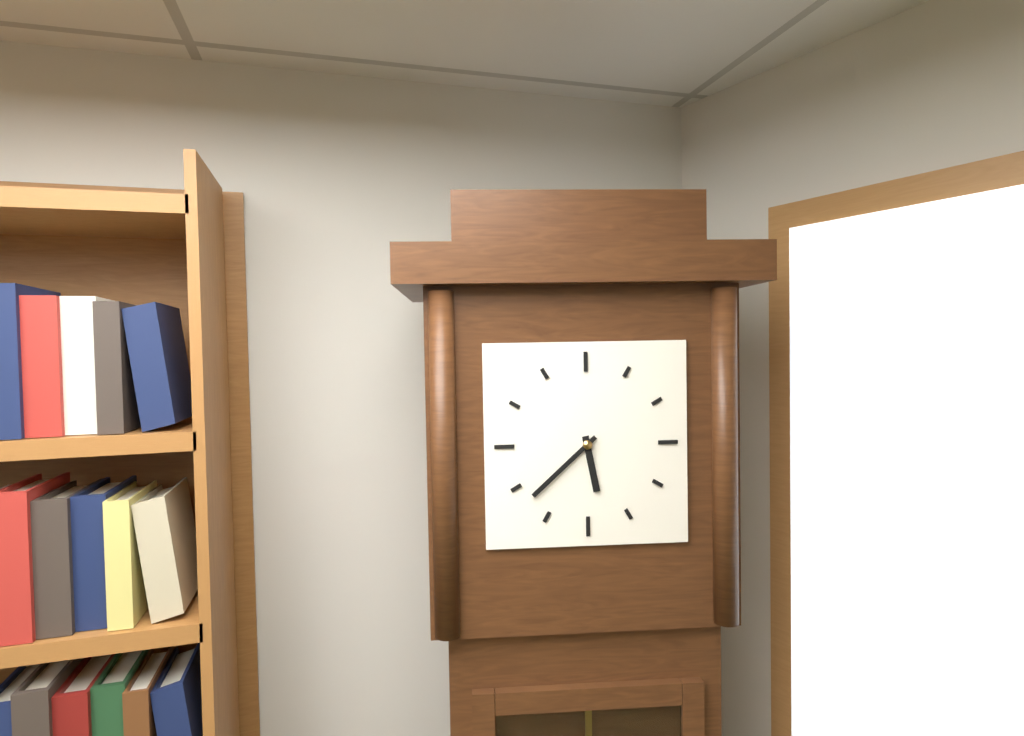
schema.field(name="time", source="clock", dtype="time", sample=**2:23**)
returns **5:38**
